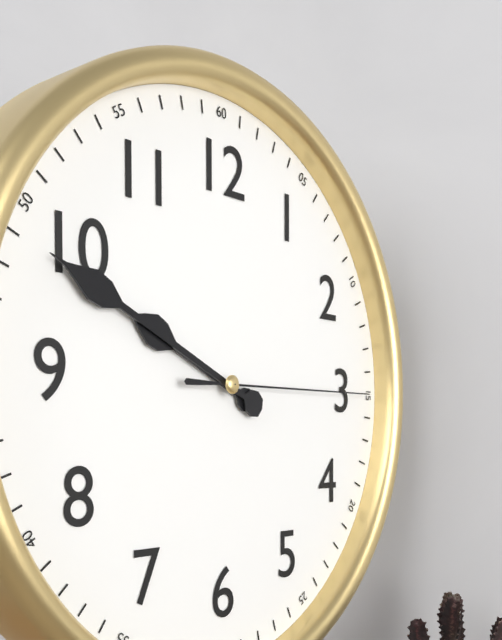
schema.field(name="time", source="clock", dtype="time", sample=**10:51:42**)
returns **9:49:15**
